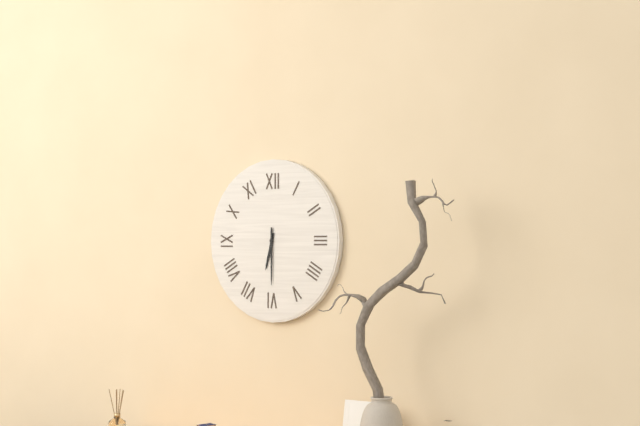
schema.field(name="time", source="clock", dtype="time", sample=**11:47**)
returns **6:30**
